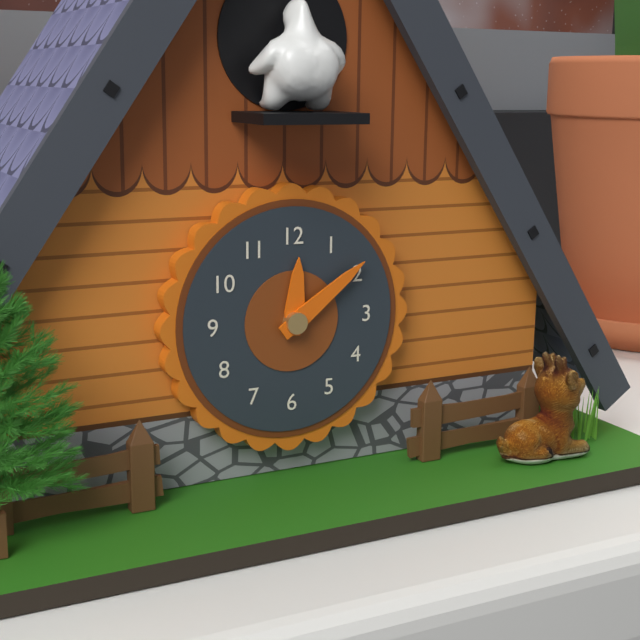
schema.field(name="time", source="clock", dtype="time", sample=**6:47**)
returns **12:09**
